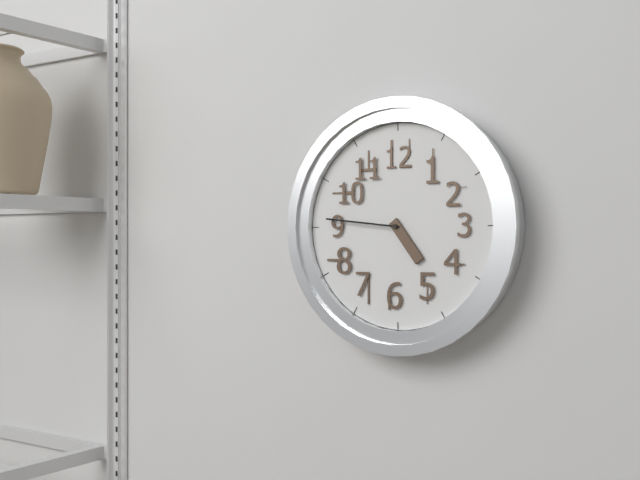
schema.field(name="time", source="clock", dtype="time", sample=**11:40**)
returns **4:46**
